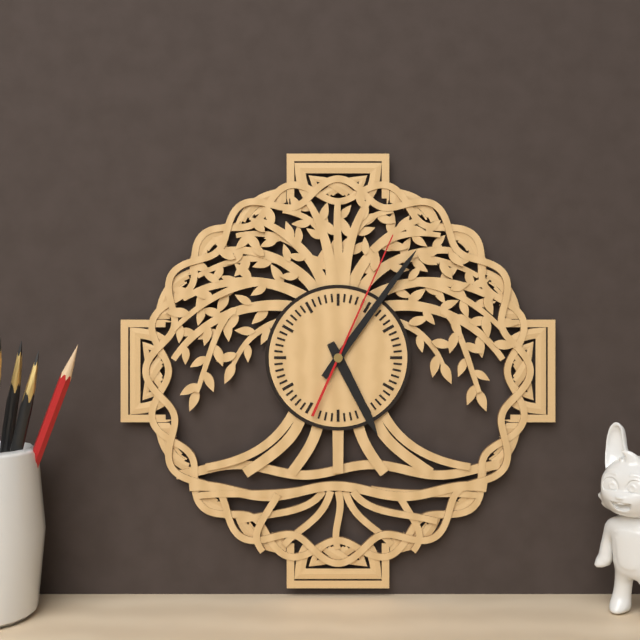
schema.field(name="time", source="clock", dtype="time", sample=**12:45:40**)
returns **5:06:04**
